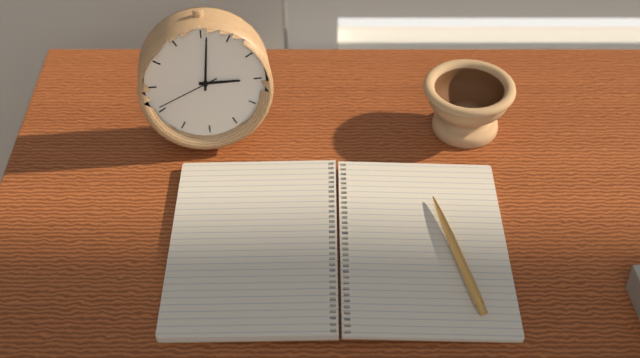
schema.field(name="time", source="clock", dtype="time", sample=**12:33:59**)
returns **3:01:41**
